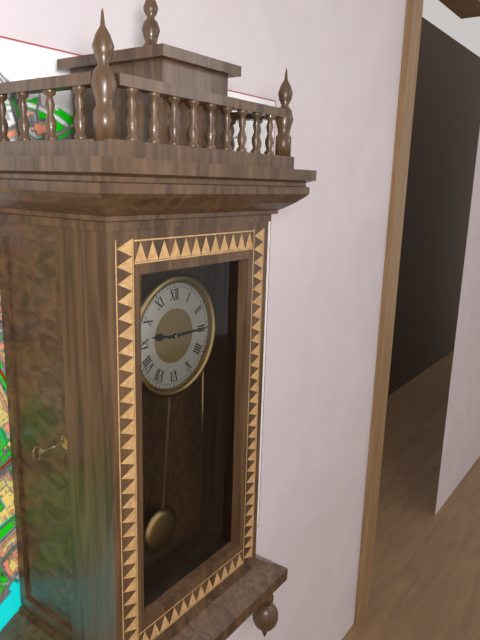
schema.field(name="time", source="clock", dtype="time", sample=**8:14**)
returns **9:15**
